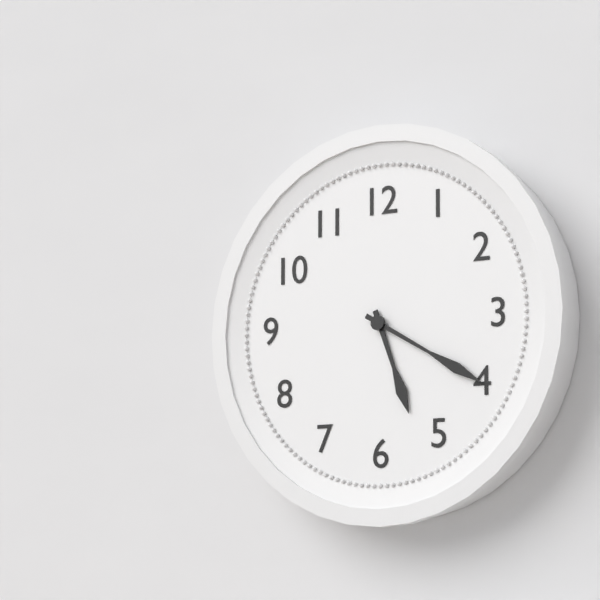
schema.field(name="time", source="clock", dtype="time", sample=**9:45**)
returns **5:20**
